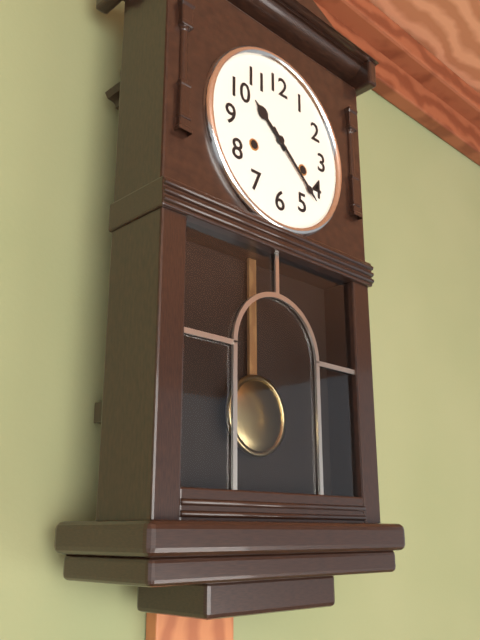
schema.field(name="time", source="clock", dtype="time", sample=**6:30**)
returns **10:22**
